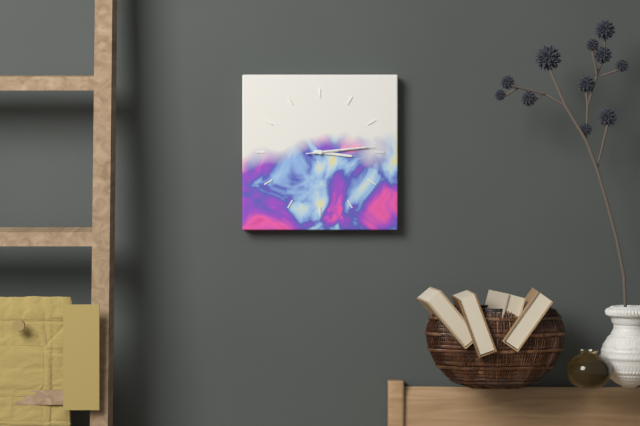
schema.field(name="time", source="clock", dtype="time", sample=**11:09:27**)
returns **3:14:14**
